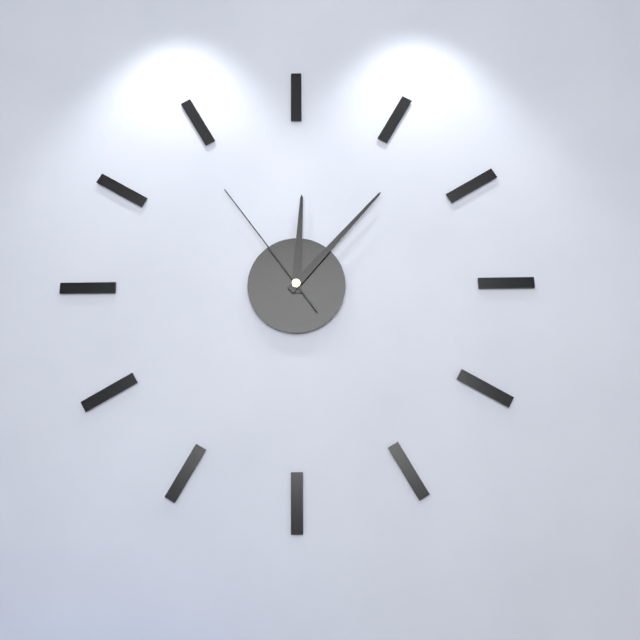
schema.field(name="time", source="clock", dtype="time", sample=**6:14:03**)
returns **12:07:54**
